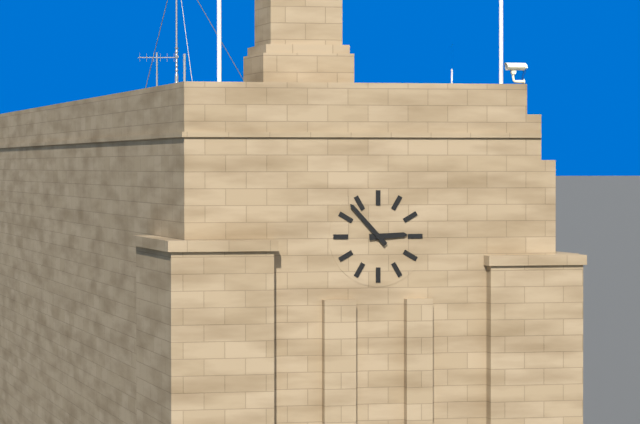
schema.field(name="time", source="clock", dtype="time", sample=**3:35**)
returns **2:53**
